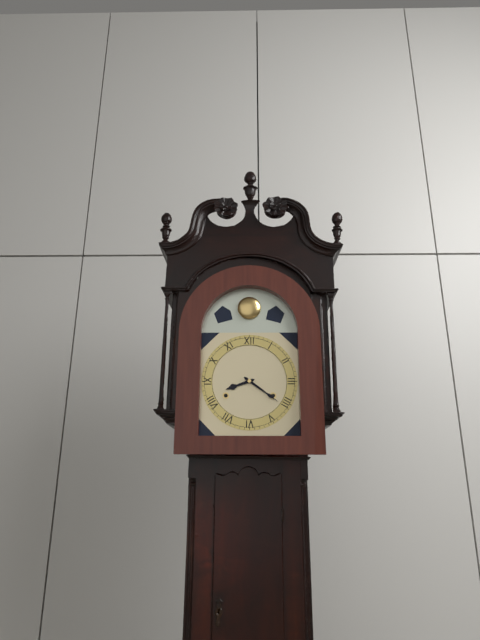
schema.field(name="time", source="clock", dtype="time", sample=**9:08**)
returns **8:21**
